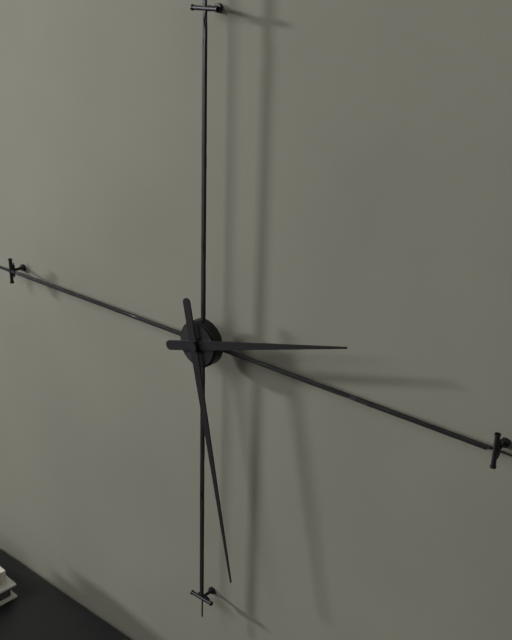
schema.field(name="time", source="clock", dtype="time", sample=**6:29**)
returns **2:28**
